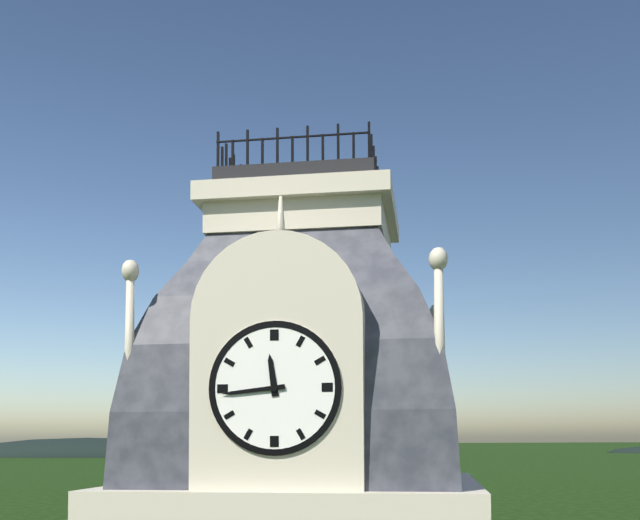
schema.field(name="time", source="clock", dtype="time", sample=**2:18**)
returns **11:44**
